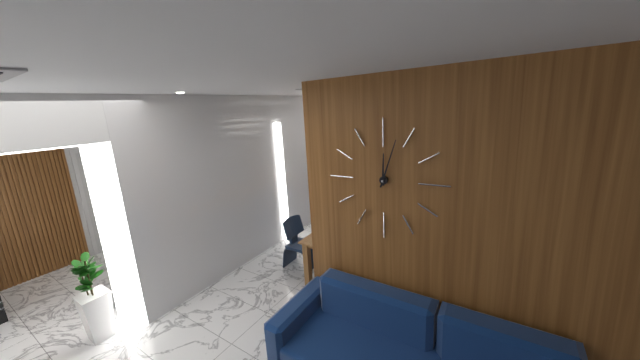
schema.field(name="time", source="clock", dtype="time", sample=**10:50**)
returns **12:03**
